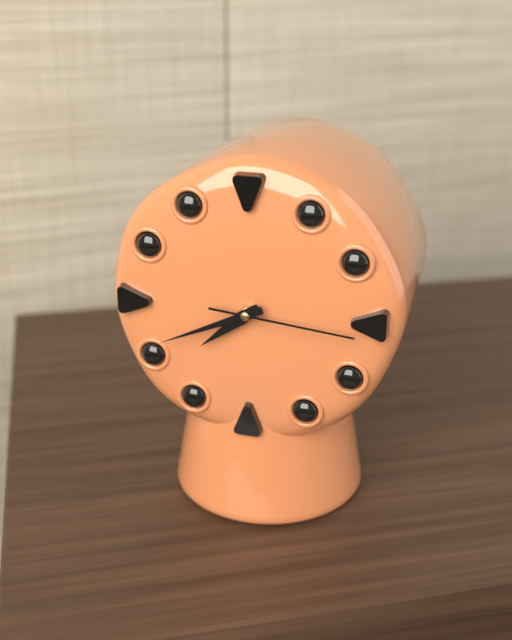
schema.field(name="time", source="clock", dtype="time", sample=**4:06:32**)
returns **7:41:16**
